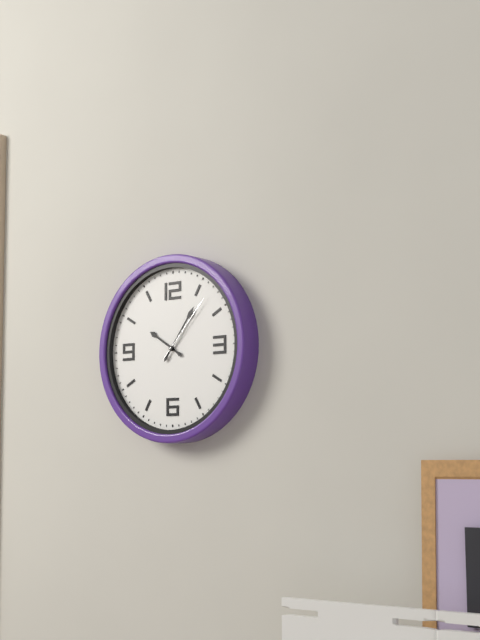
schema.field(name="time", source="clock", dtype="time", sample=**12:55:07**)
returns **10:06:07**
